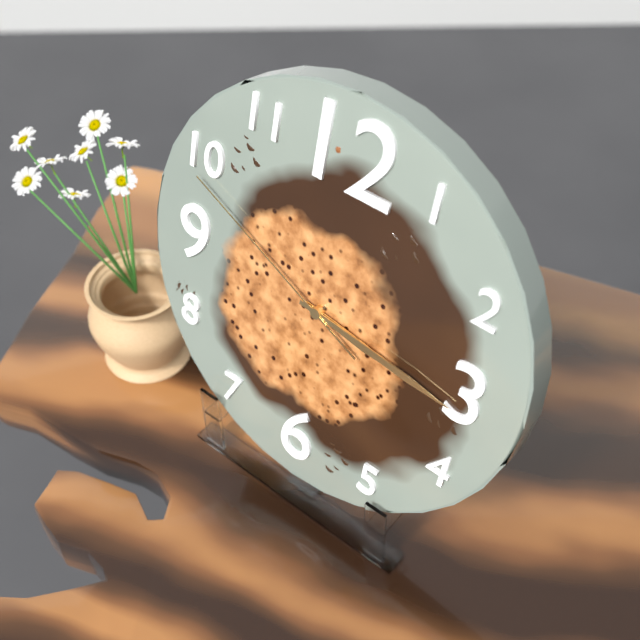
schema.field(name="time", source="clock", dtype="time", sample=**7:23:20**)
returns **3:16:49**
